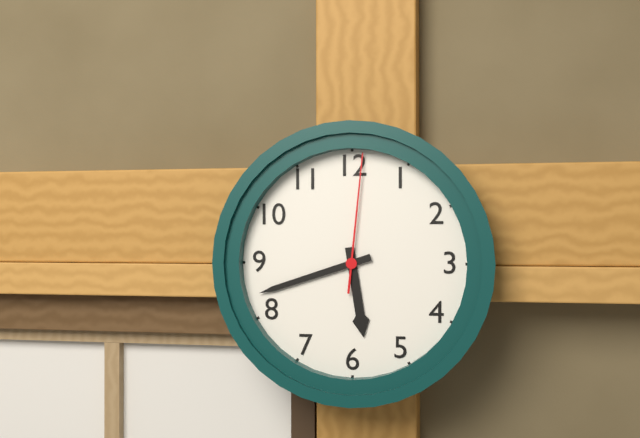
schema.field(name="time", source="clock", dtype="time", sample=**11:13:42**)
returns **5:42:01**
